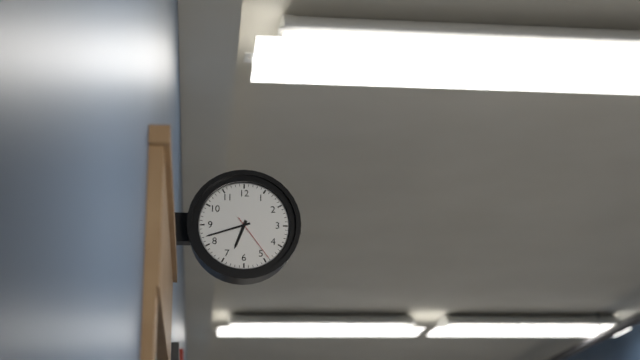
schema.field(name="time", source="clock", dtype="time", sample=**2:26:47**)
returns **6:42:24**
